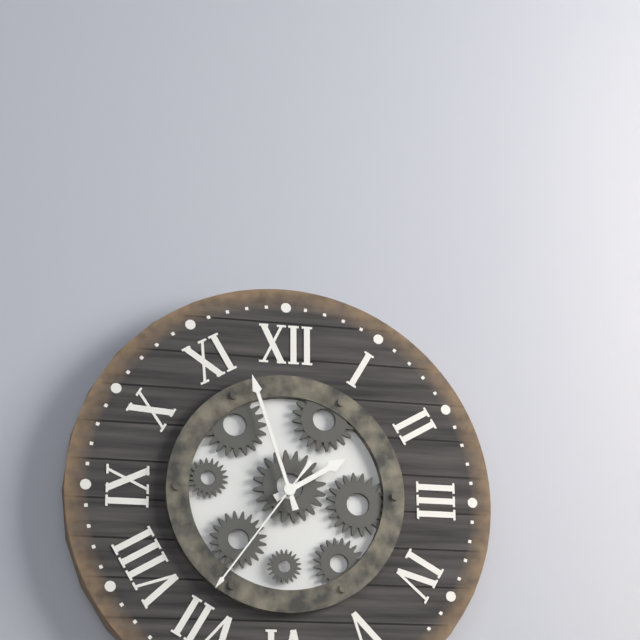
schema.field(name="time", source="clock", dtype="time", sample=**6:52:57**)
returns **1:57:36**
